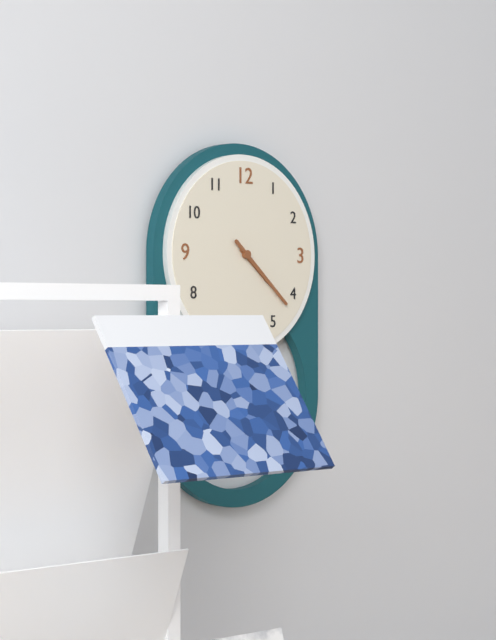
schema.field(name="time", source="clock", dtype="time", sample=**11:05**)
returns **4:22**
